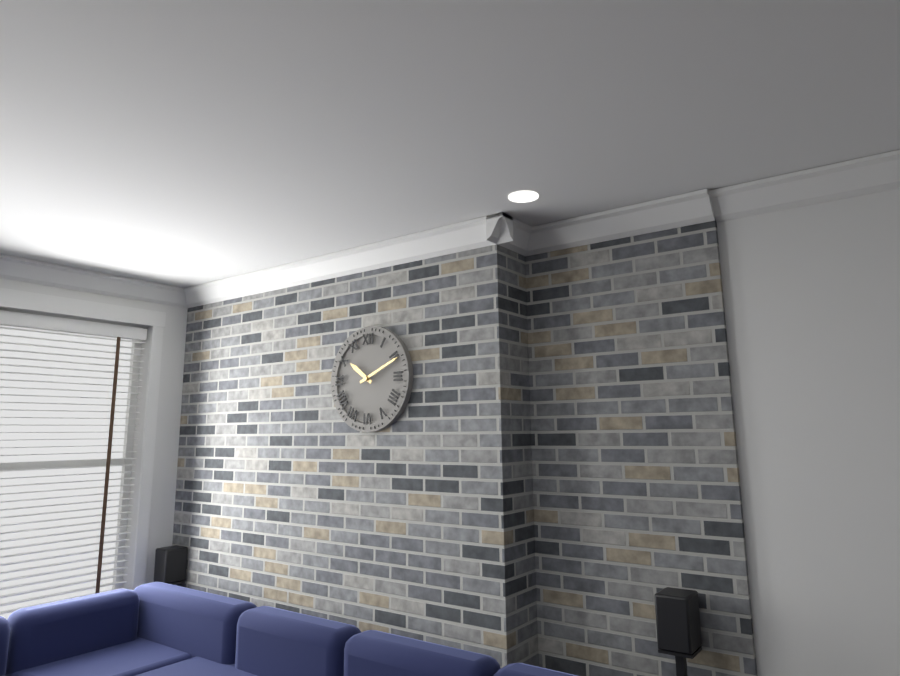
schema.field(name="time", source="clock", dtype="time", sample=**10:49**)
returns **10:11**
